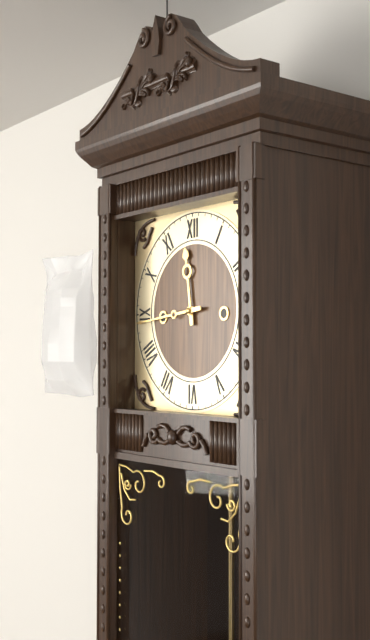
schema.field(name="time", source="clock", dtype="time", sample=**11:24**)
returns **11:44**
